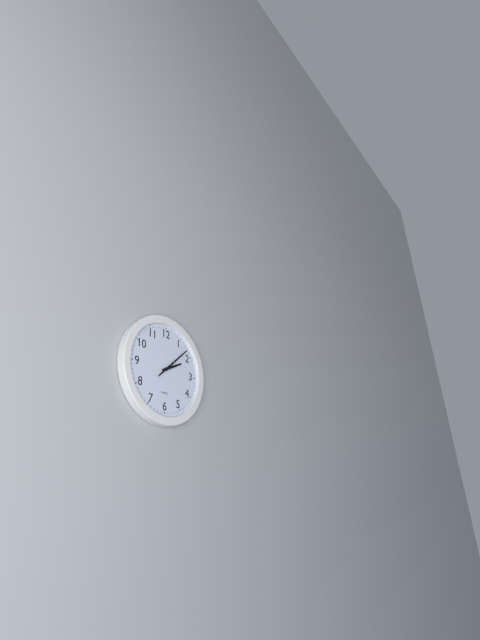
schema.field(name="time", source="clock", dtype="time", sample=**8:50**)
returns **2:08**
